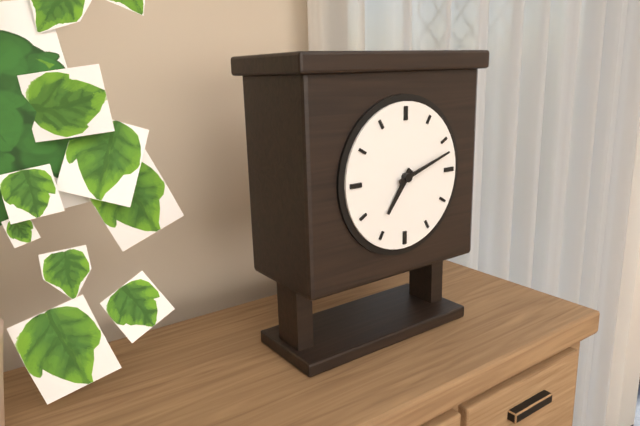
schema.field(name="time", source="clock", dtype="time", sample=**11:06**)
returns **7:12**
